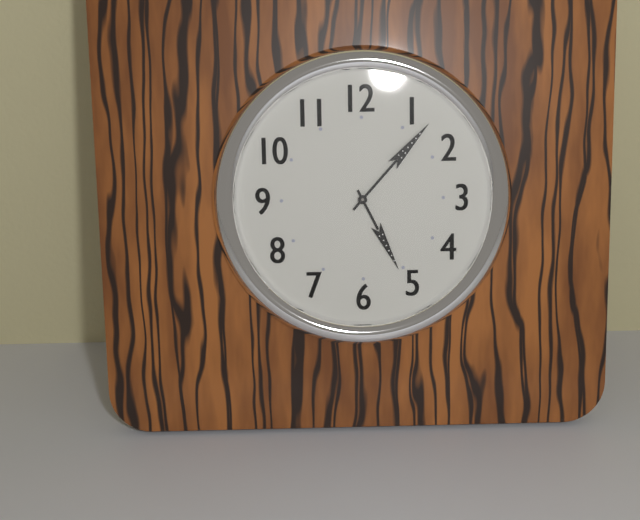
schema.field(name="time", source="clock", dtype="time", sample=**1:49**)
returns **5:07**
